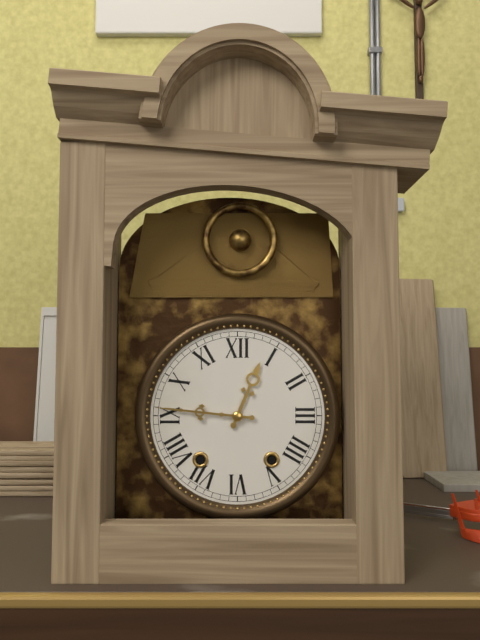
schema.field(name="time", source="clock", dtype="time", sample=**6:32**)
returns **12:46**
